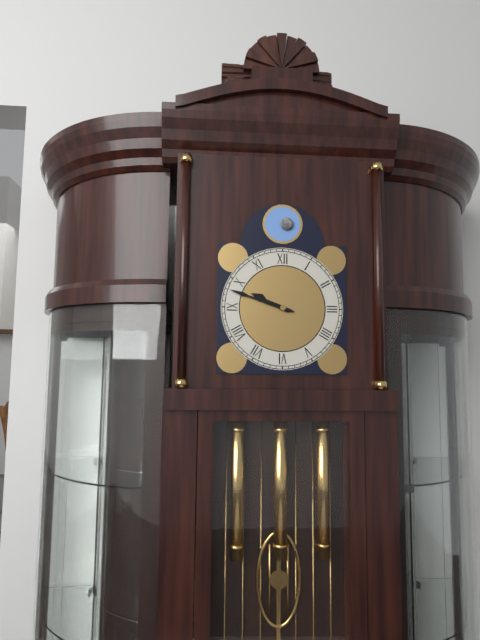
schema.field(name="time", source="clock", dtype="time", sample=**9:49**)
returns **9:48**
